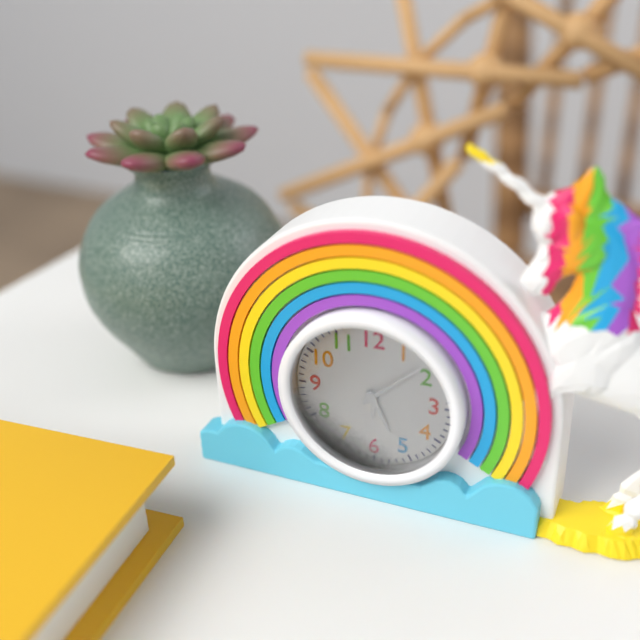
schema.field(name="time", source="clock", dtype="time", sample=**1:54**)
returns **5:08**
